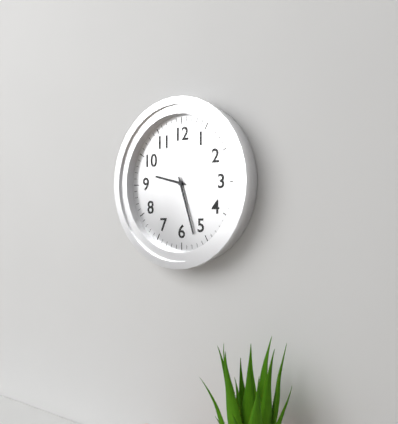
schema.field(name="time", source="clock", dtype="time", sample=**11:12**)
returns **9:27**
